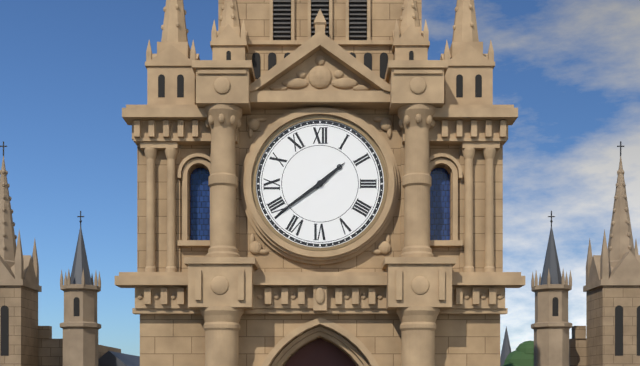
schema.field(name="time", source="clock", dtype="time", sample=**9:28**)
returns **1:39**
